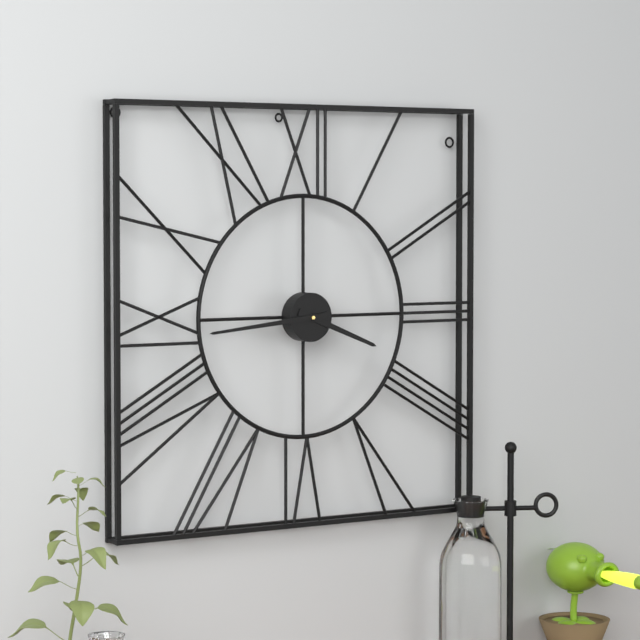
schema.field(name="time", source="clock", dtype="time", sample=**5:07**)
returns **3:44**
